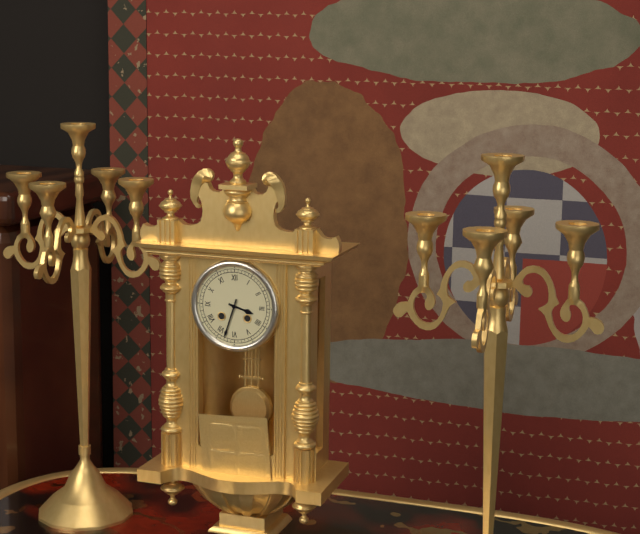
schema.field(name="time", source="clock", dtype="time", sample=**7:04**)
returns **3:33**
